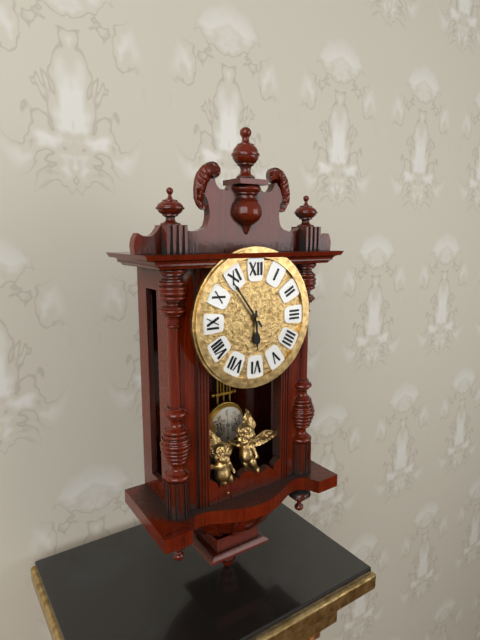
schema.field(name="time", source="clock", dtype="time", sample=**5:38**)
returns **5:54**
